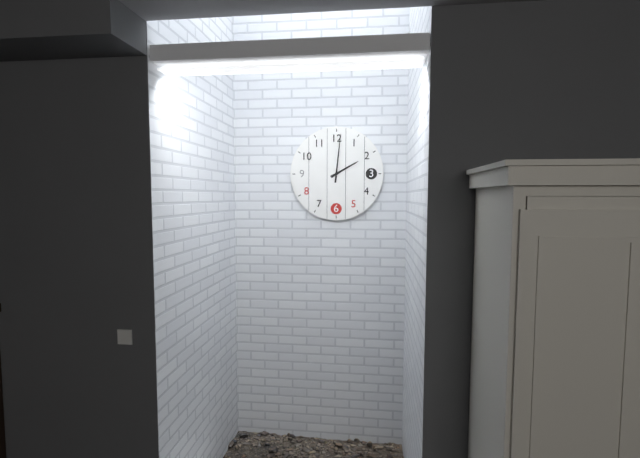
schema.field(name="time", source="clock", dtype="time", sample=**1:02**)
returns **2:01**
